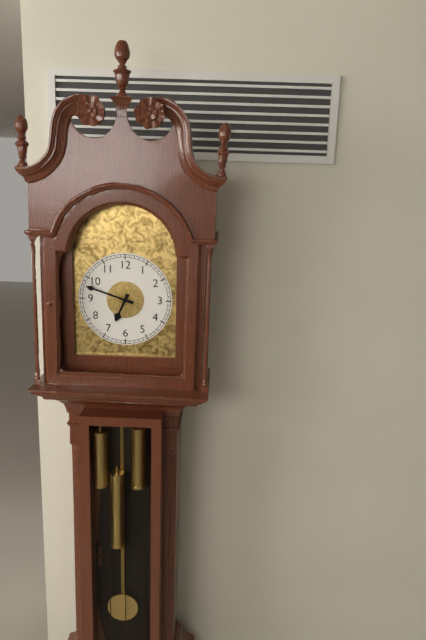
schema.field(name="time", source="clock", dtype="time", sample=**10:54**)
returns **6:48**
